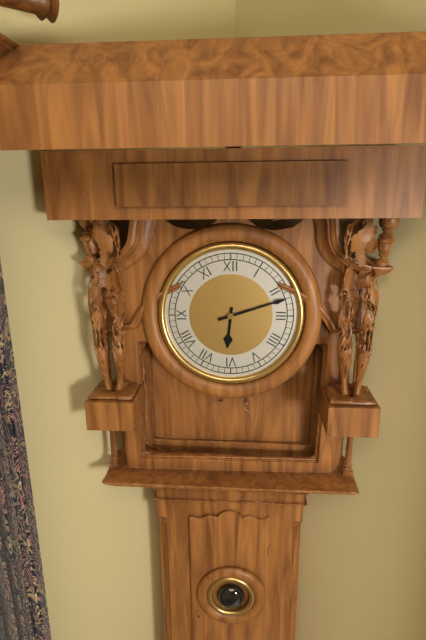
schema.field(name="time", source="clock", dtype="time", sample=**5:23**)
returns **6:12**
